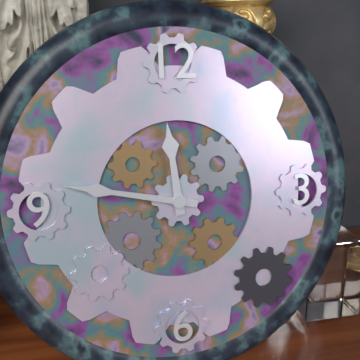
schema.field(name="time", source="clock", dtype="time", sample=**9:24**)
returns **11:47**
